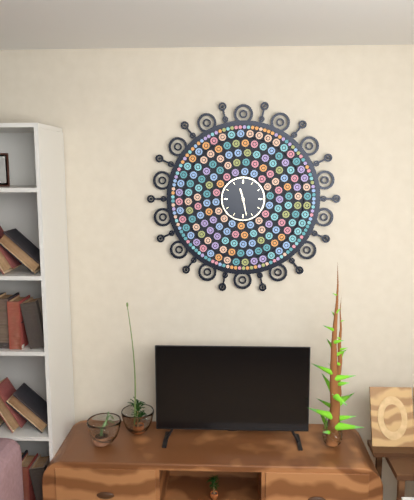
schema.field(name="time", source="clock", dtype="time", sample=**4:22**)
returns **11:28**
